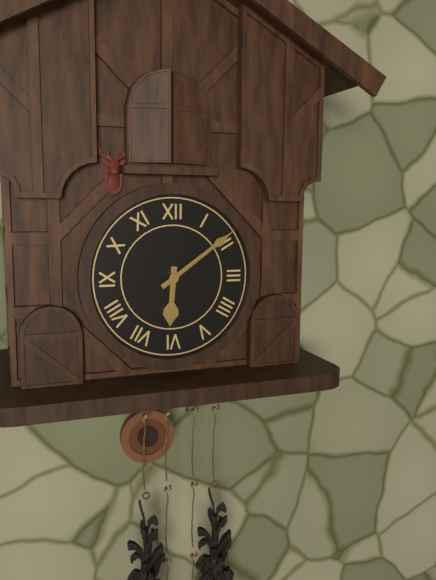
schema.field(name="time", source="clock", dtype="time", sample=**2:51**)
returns **6:09**
